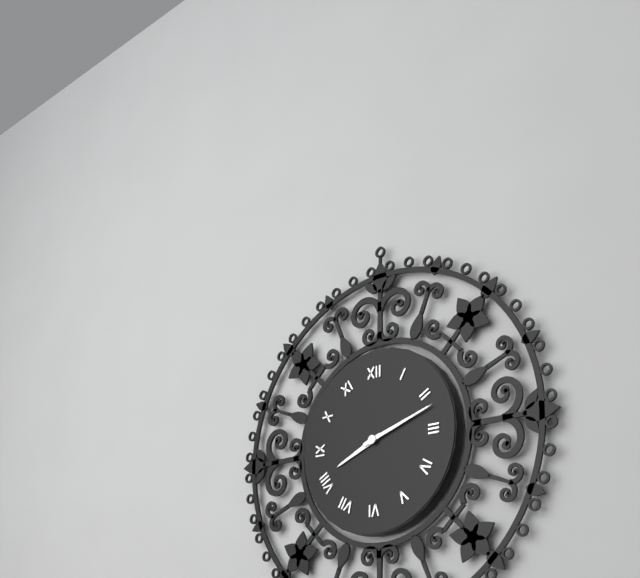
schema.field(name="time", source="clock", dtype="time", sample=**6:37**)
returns **8:12**
